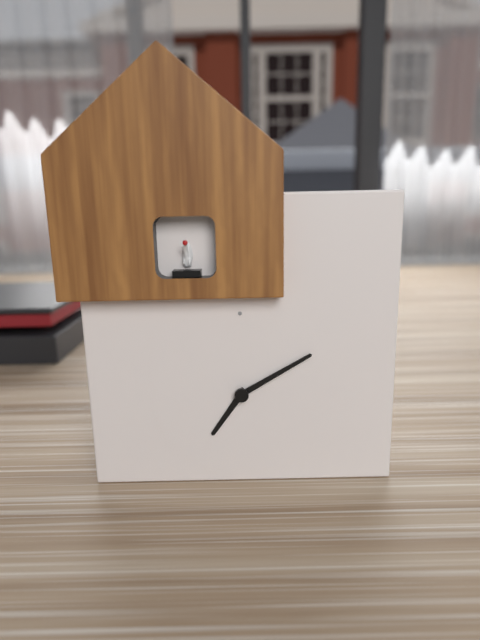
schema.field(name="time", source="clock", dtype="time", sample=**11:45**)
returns **7:10**
